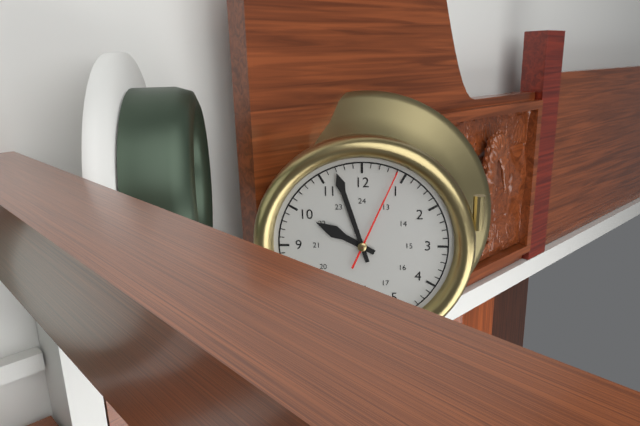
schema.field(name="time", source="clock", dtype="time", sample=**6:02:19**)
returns **9:57:04**
